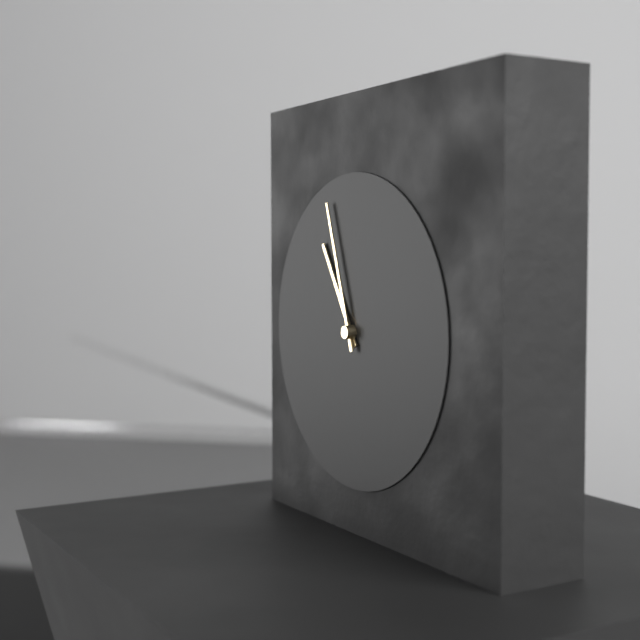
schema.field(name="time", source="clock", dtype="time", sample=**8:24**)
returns **10:57**
